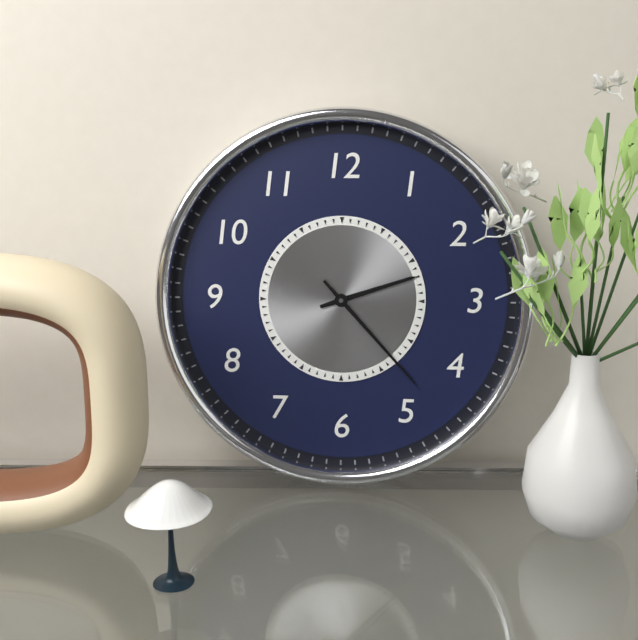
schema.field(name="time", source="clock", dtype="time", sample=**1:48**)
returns **2:23**
